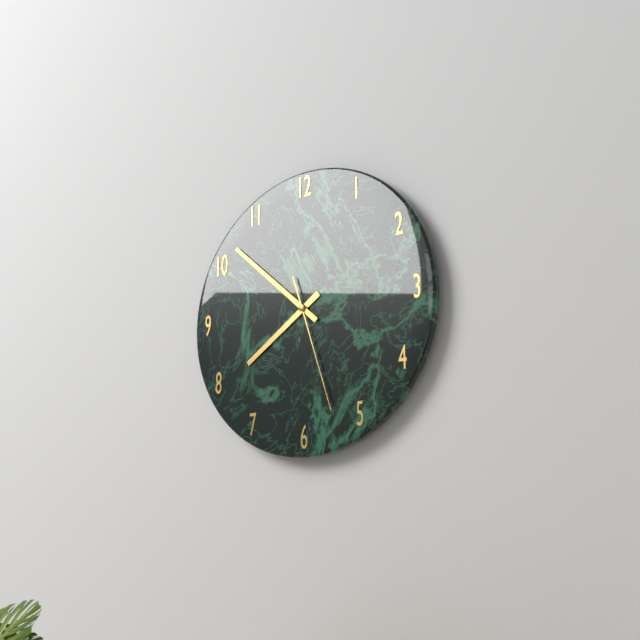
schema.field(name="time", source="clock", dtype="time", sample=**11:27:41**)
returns **7:52:27**
